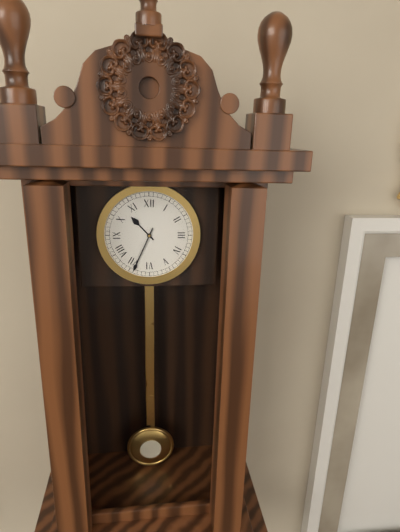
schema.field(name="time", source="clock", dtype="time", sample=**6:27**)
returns **10:34**
